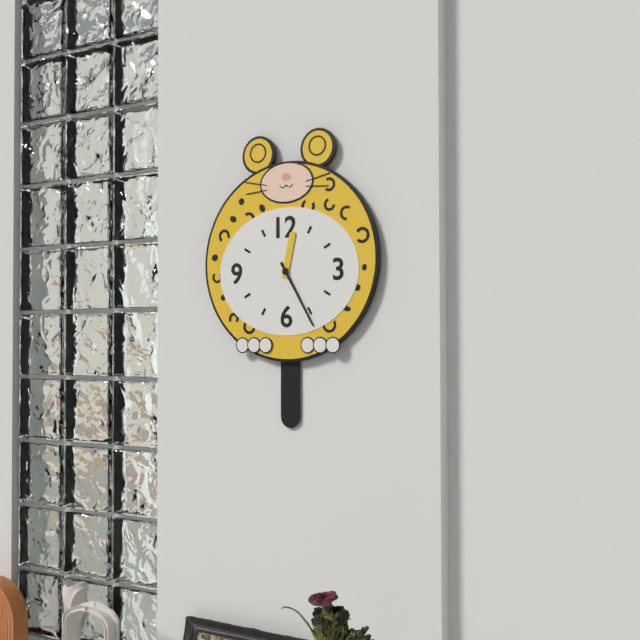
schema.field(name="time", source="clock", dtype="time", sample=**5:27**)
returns **12:25**
